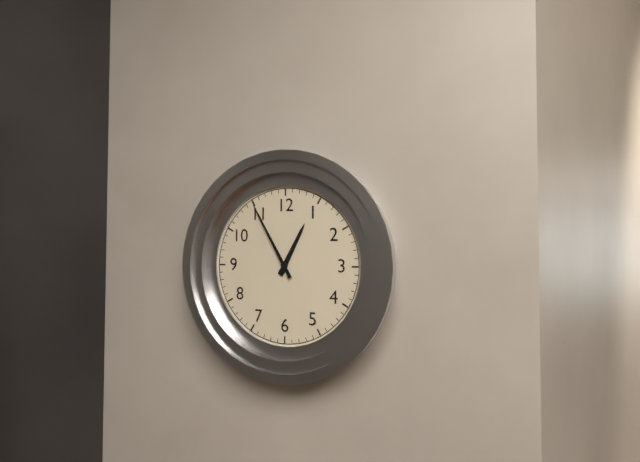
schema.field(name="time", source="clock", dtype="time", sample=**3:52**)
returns **12:55**
